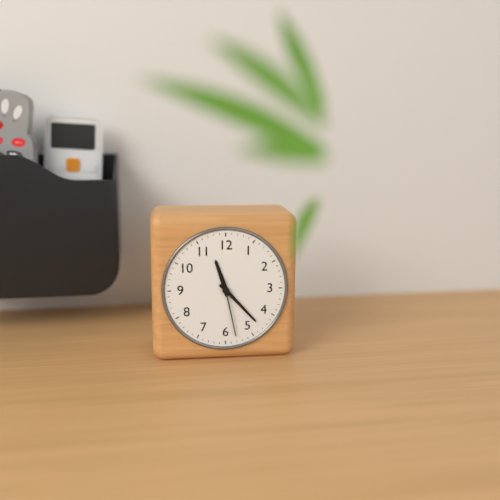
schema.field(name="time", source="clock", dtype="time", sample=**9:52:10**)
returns **11:23:28**
